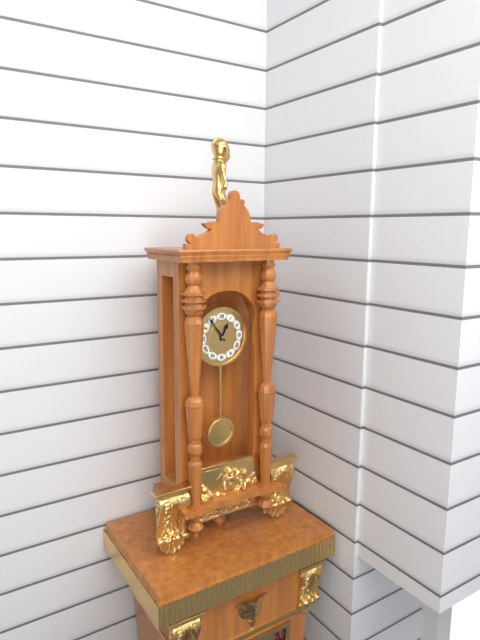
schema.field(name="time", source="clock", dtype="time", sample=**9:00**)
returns **12:54**
